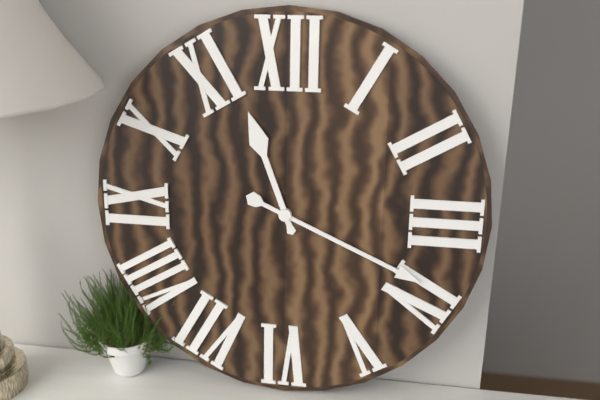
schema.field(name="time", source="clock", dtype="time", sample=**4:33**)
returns **11:19**
